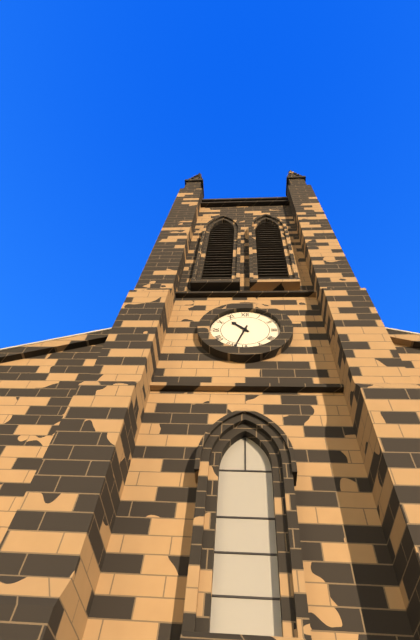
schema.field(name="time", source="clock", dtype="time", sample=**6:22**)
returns **10:33**
